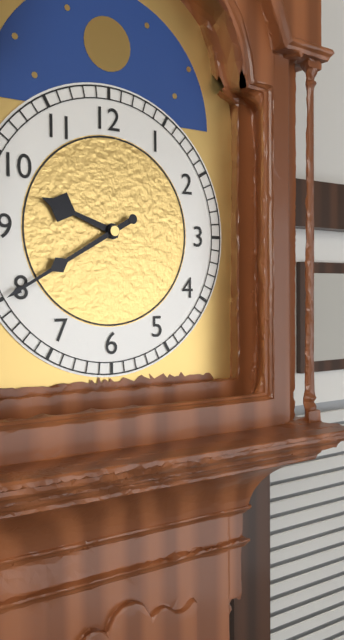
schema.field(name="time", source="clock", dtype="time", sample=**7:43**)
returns **9:40**
